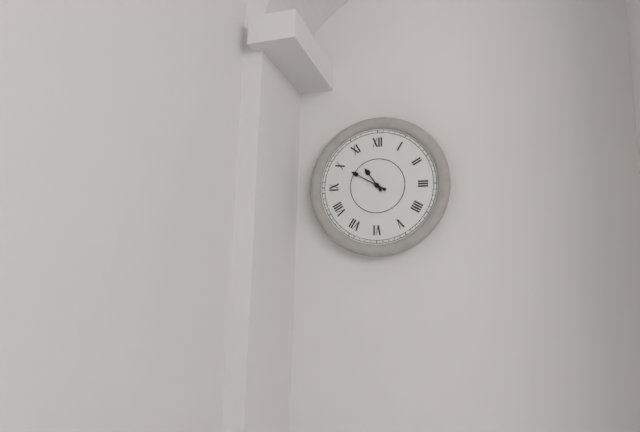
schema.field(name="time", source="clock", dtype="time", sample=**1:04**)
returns **10:50**
